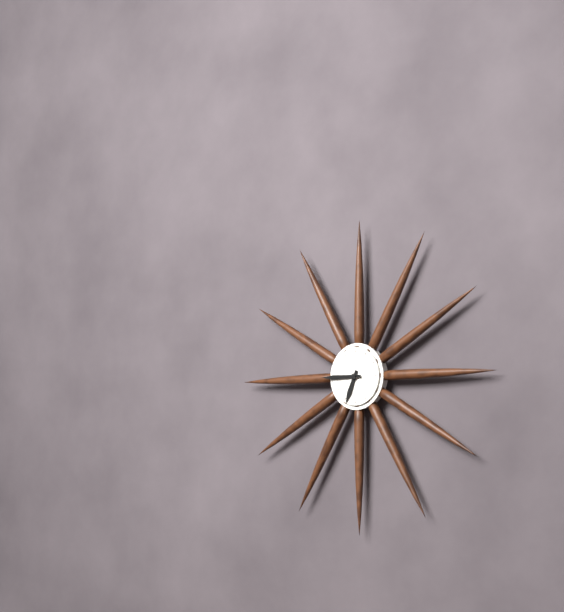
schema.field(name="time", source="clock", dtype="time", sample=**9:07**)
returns **6:45**
